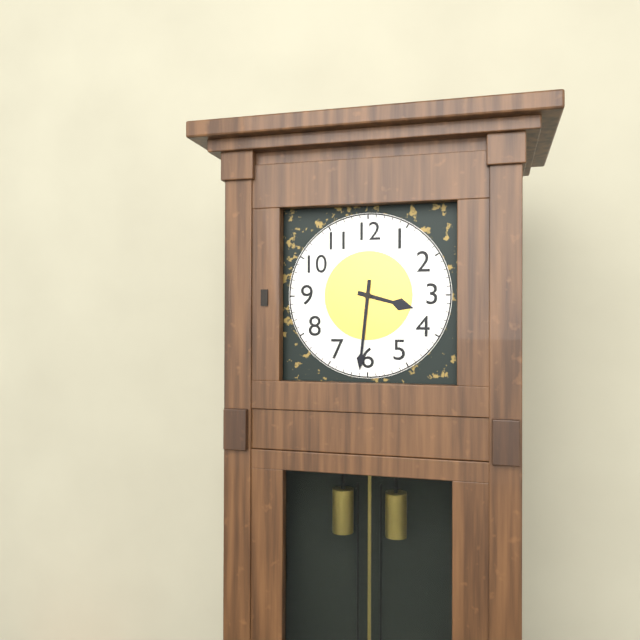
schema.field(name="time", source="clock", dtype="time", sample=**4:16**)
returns **3:31**
